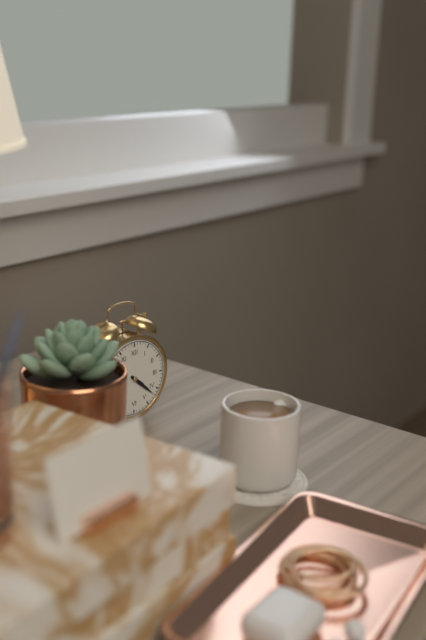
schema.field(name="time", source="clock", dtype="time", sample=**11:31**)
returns **4:22**
